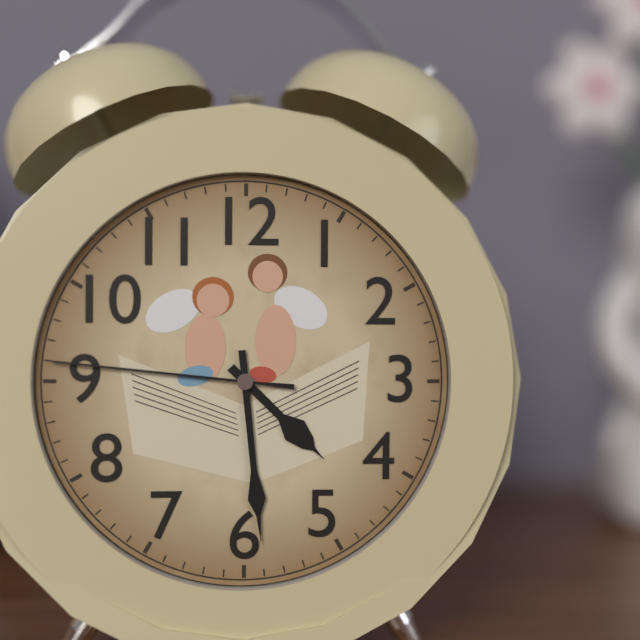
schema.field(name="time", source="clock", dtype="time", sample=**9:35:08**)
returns **4:29:46**
